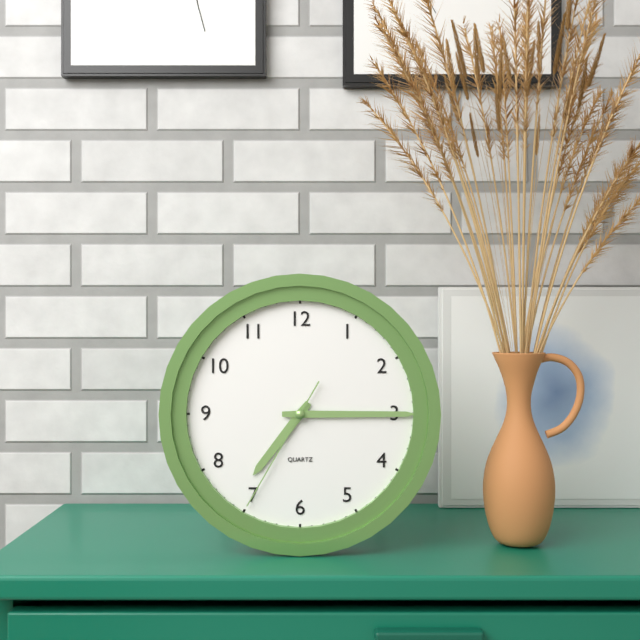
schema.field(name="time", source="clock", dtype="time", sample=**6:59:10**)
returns **7:15:35**
